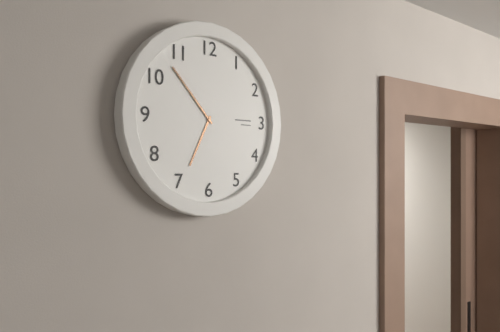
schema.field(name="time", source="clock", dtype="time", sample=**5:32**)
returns **6:53**
